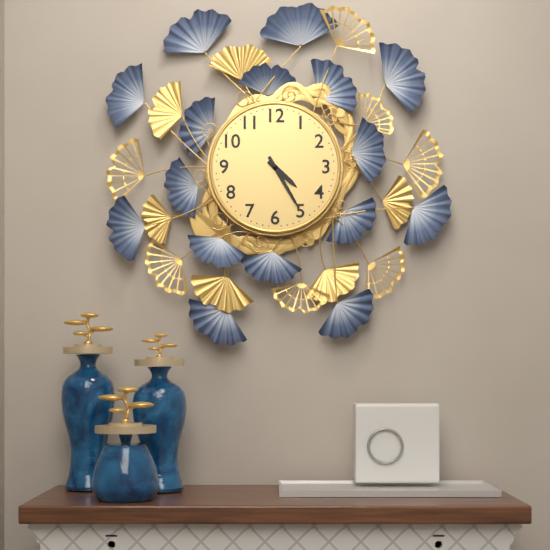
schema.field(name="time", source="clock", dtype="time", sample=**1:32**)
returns **4:25**
